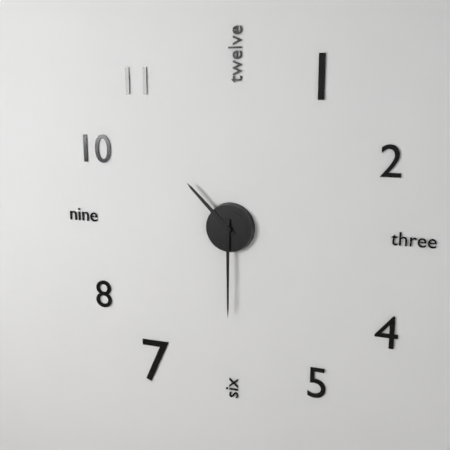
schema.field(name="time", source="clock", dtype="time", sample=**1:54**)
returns **10:30**
